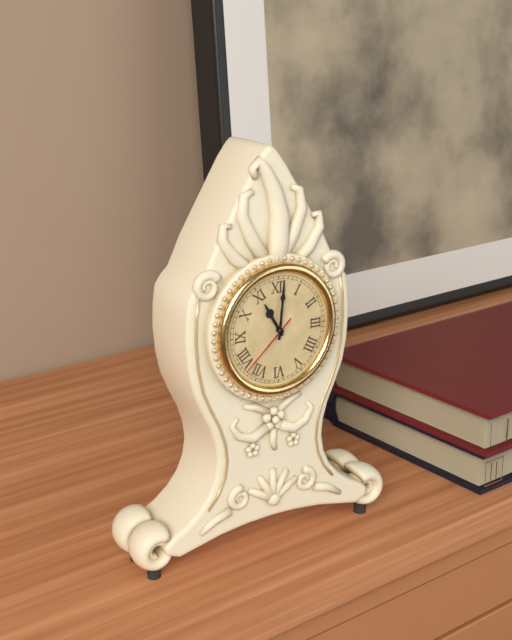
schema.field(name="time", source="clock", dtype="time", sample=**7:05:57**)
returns **11:01:38**
